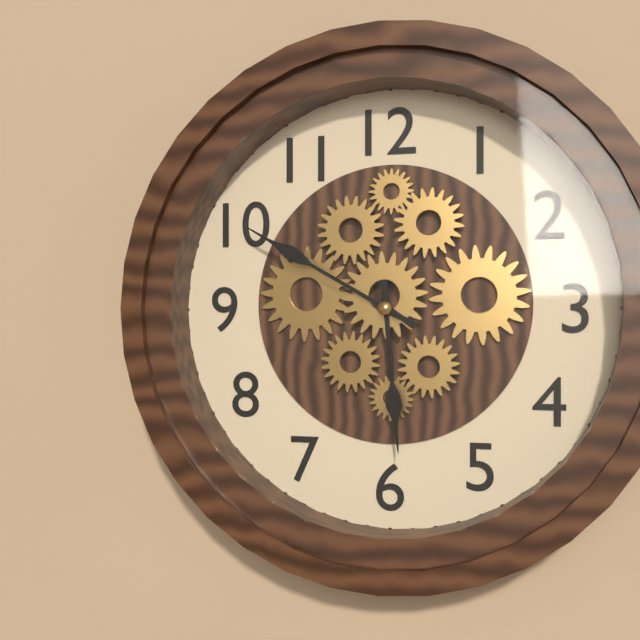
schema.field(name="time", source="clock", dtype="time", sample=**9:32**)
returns **5:50**
